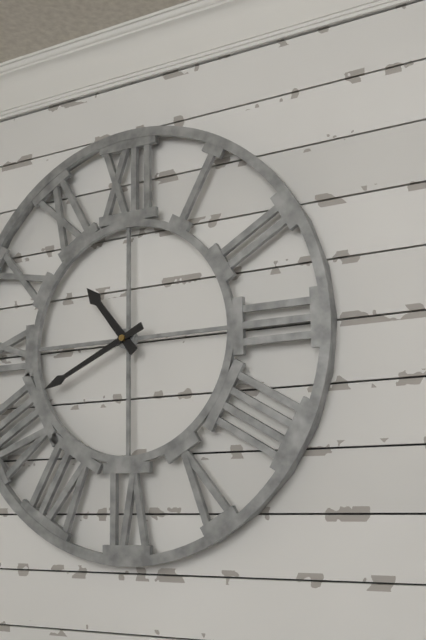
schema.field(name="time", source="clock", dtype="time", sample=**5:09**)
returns **10:41**
